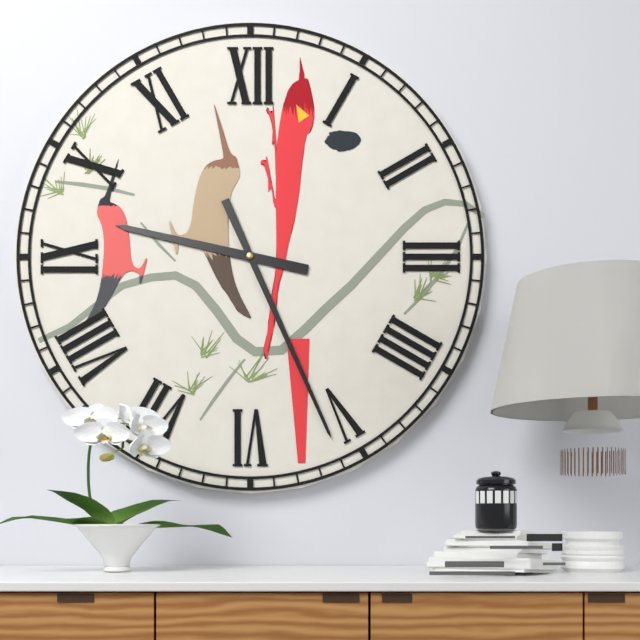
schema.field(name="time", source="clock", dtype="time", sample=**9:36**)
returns **9:26**
